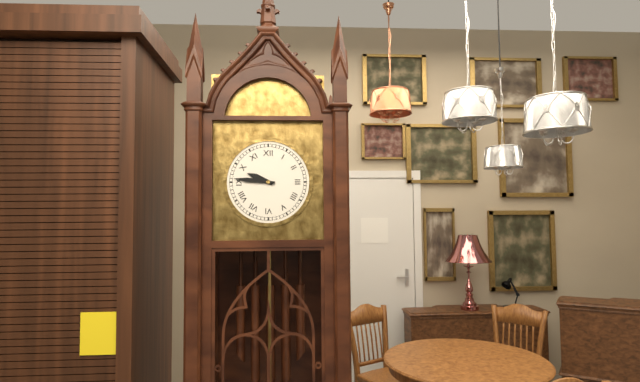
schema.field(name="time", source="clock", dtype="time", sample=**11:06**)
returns **9:46**
